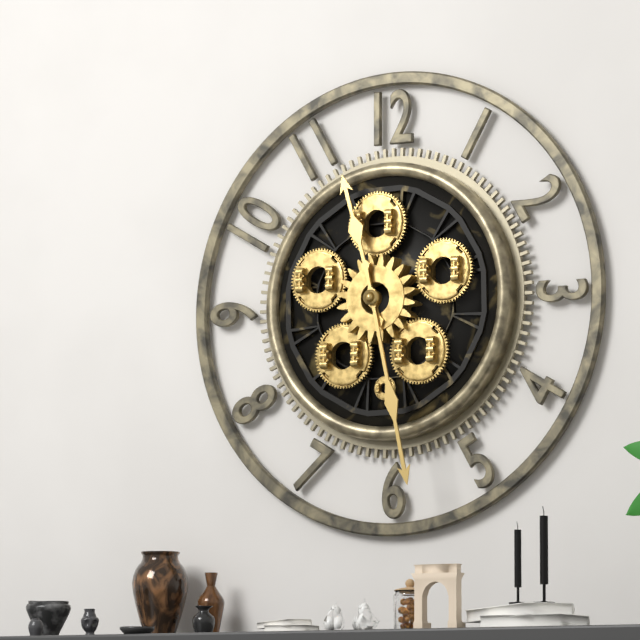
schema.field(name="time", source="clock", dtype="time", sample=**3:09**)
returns **11:28**
